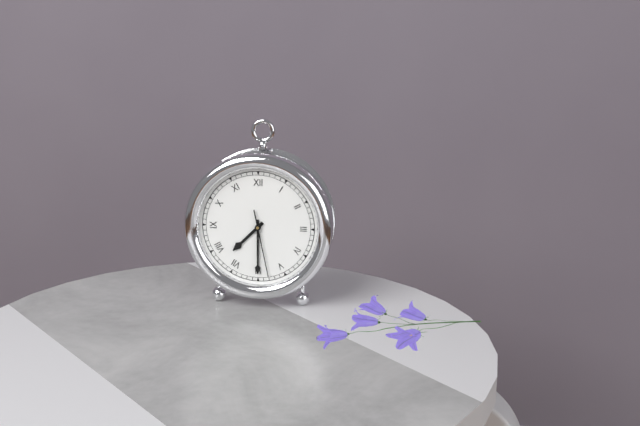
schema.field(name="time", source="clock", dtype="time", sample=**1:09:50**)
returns **7:30:28**
